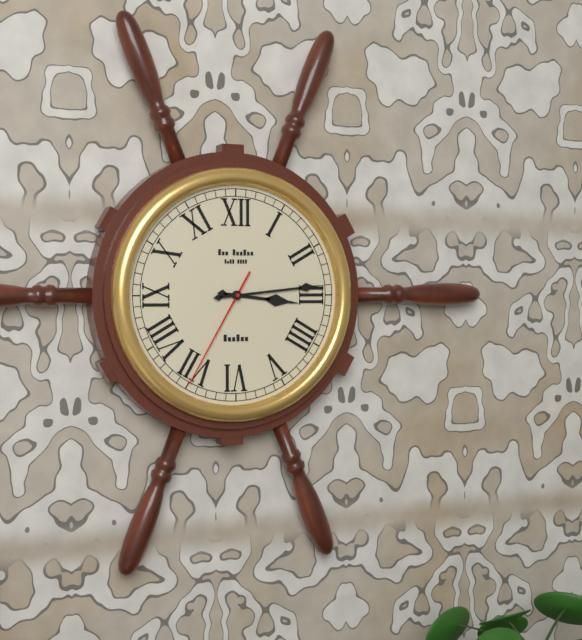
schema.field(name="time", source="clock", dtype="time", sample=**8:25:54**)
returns **3:14:35**
